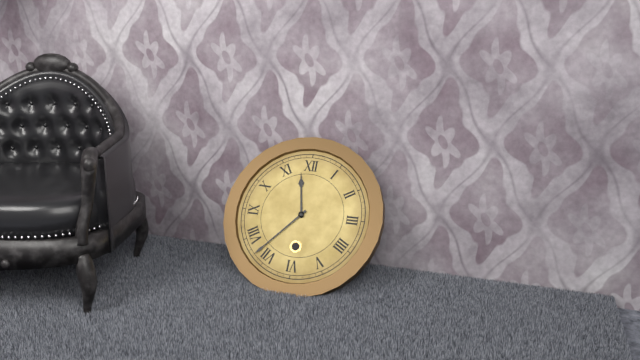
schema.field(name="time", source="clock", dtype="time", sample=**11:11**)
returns **11:37**
